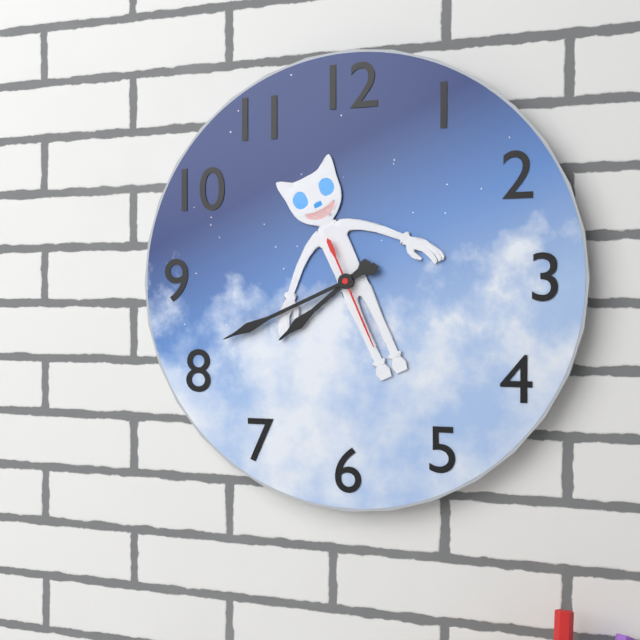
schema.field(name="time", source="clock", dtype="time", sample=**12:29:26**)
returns **7:41:26**
